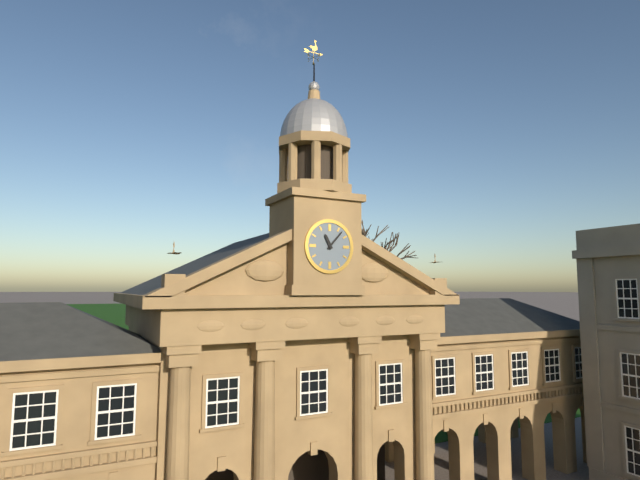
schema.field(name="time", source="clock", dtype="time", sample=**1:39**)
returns **11:07**
